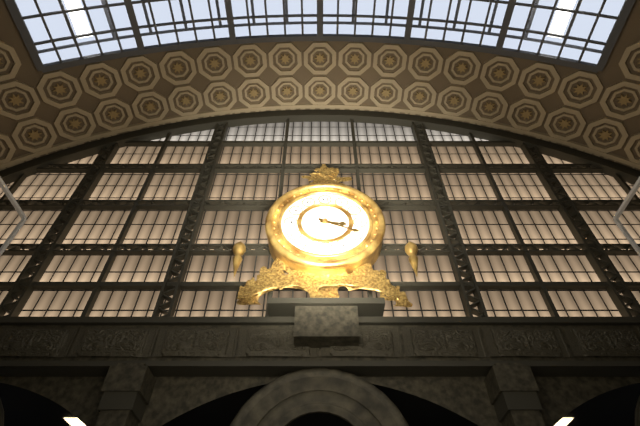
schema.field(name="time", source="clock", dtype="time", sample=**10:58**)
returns **3:19**
